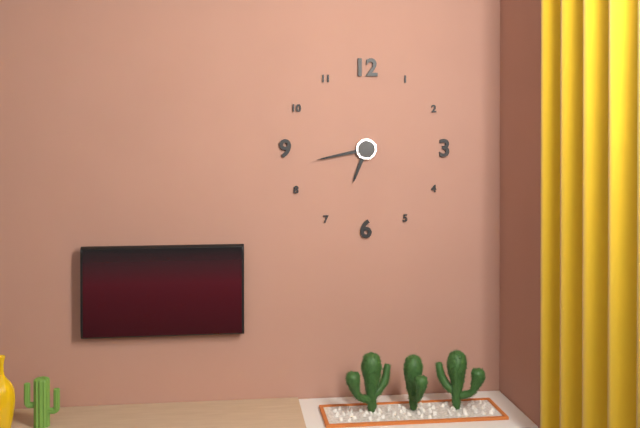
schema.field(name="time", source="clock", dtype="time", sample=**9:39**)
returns **6:43**
